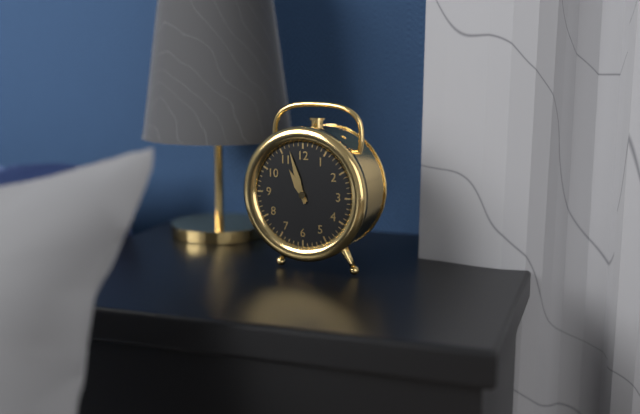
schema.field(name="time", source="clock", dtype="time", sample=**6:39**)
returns **10:57**
